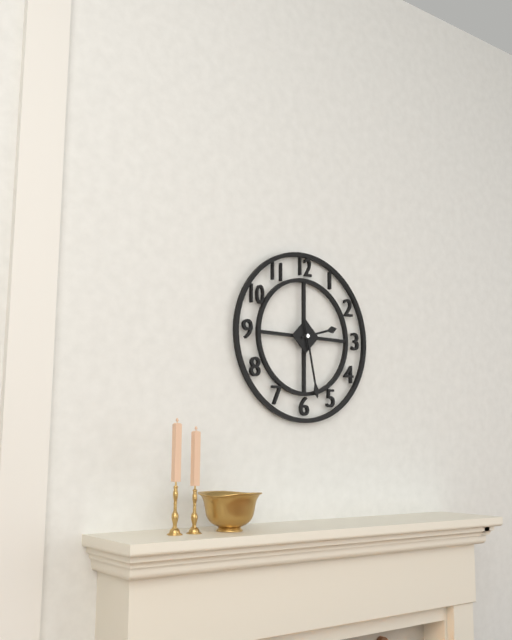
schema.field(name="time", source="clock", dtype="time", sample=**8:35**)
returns **2:28**
